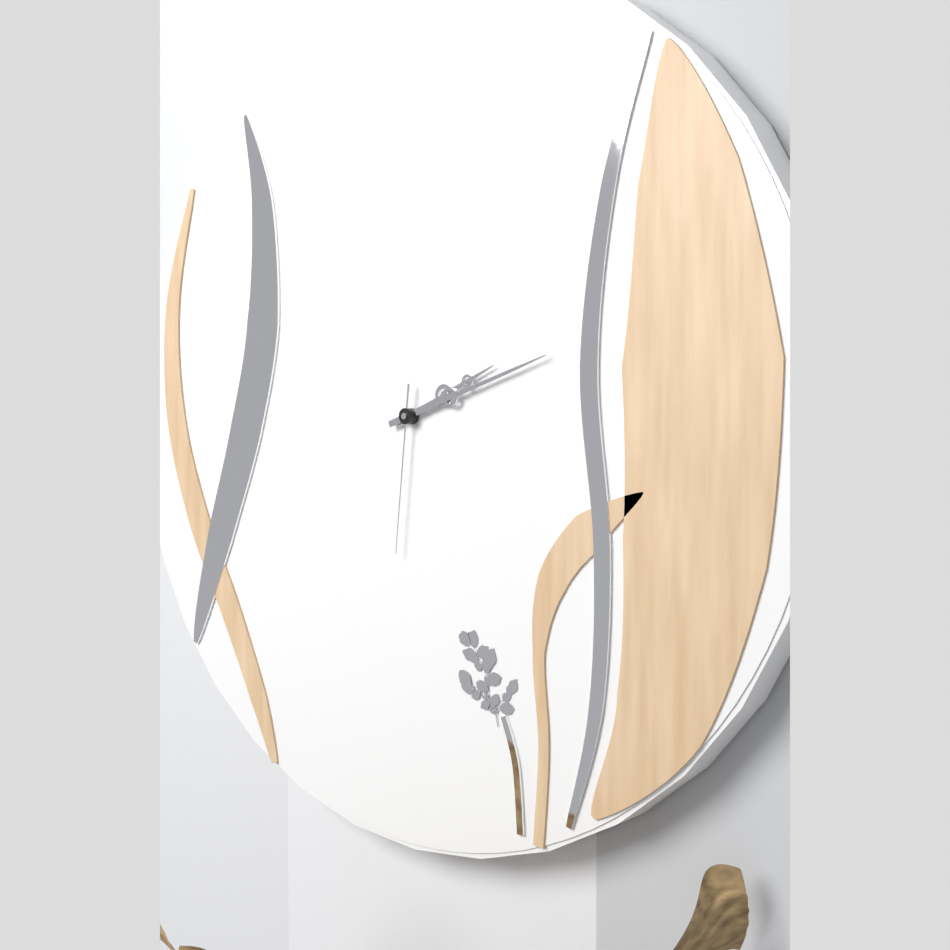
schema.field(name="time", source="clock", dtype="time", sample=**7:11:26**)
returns **2:12:31**
